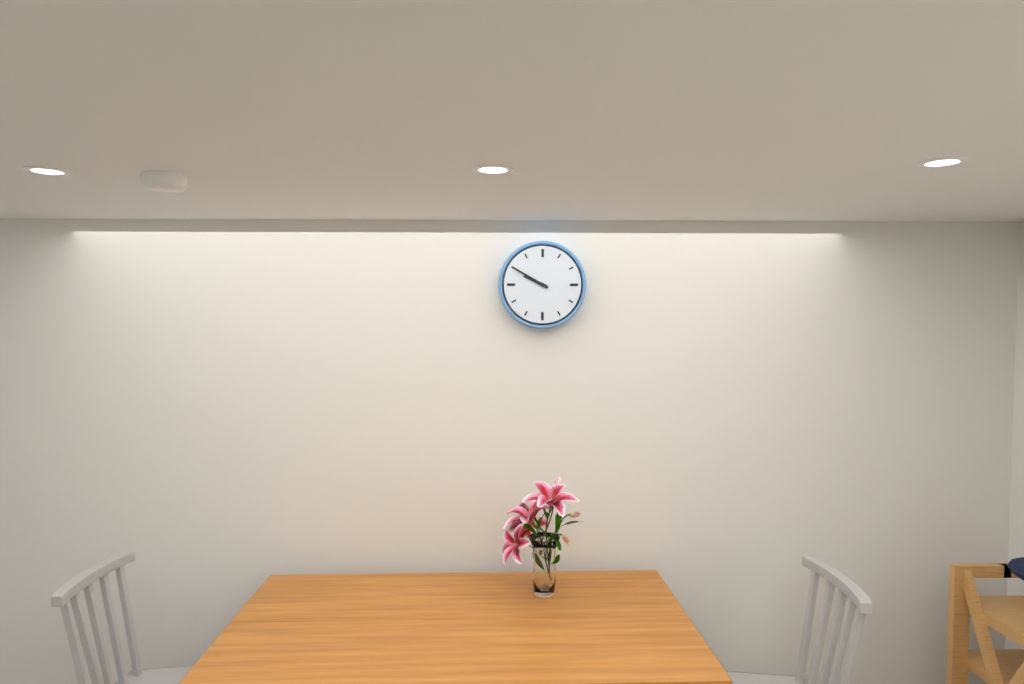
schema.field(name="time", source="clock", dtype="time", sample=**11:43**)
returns **9:50**
